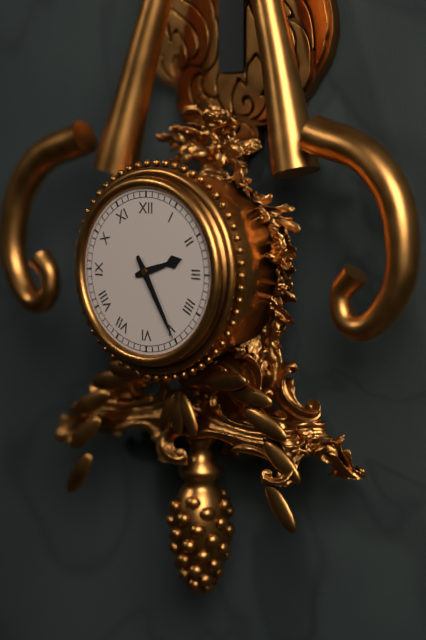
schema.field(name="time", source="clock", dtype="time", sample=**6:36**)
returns **2:25**
